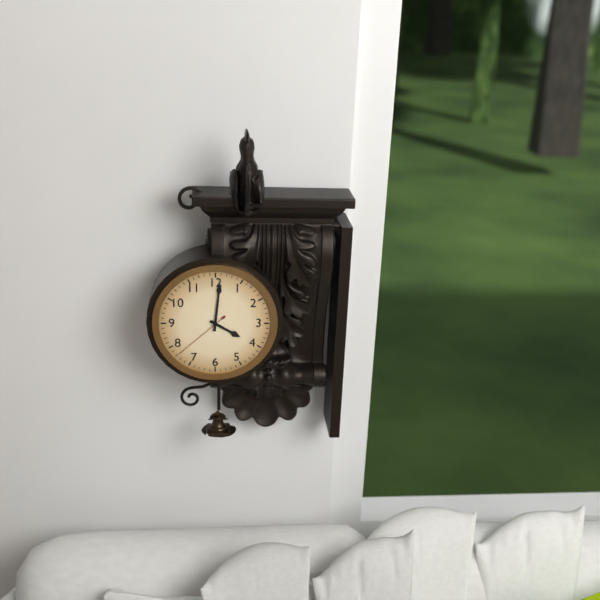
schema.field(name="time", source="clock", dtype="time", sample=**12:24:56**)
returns **4:01:38**
